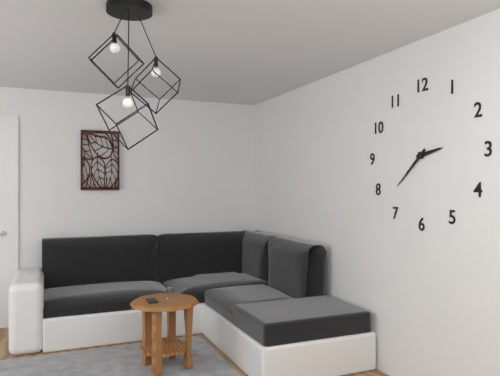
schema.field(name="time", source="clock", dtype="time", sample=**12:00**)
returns **2:38**
